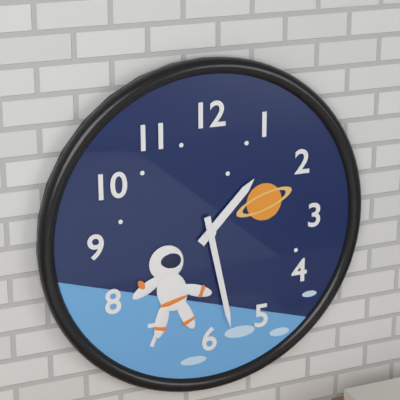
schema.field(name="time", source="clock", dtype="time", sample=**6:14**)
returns **1:28**
